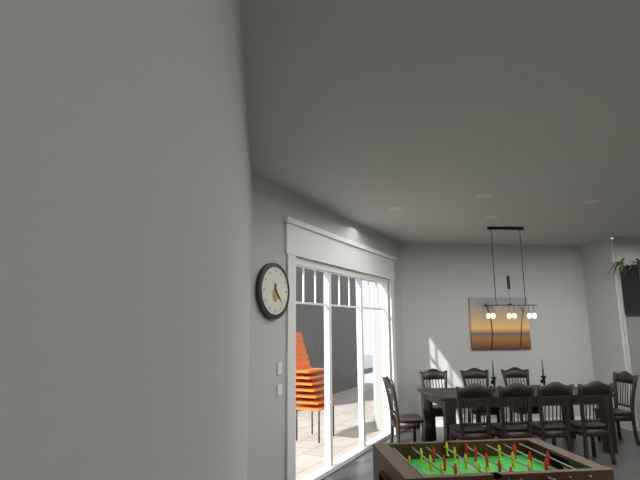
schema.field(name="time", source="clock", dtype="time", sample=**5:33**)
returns **4:23**
